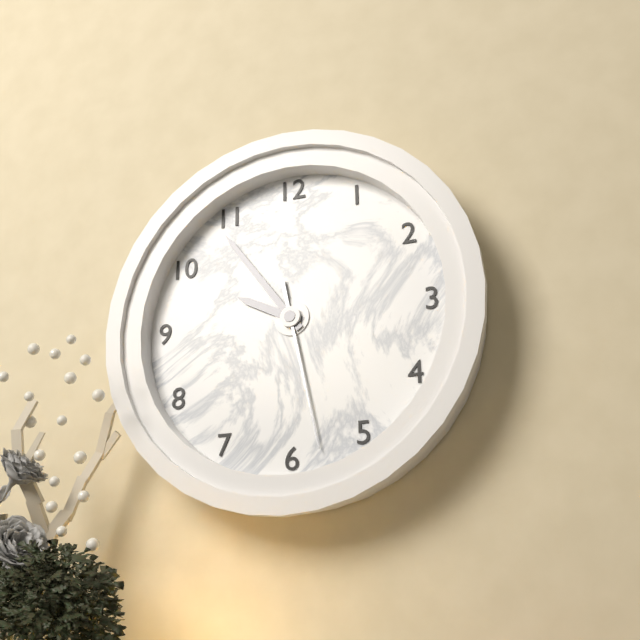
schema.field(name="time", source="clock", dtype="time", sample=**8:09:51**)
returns **9:54:28**
